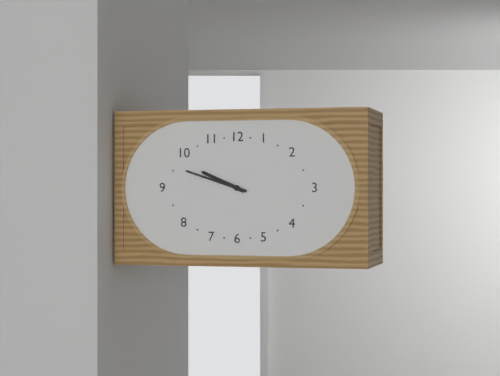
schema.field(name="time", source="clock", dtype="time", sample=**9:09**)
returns **9:48**
